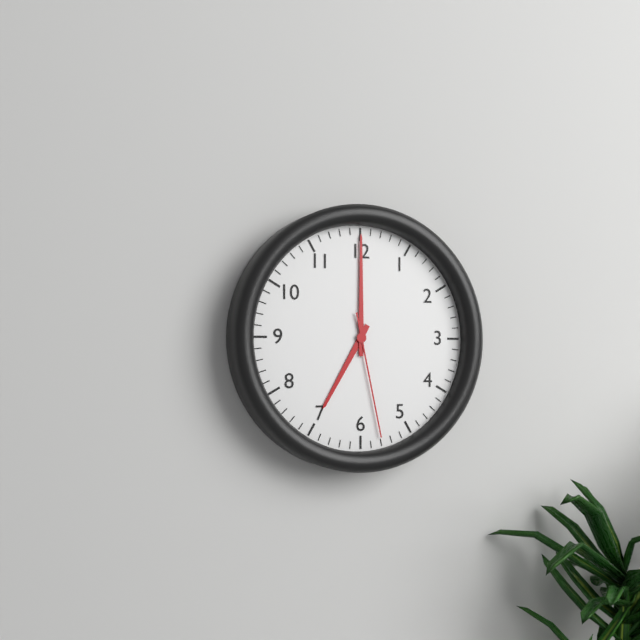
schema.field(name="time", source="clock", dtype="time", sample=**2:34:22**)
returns **7:00:28**
